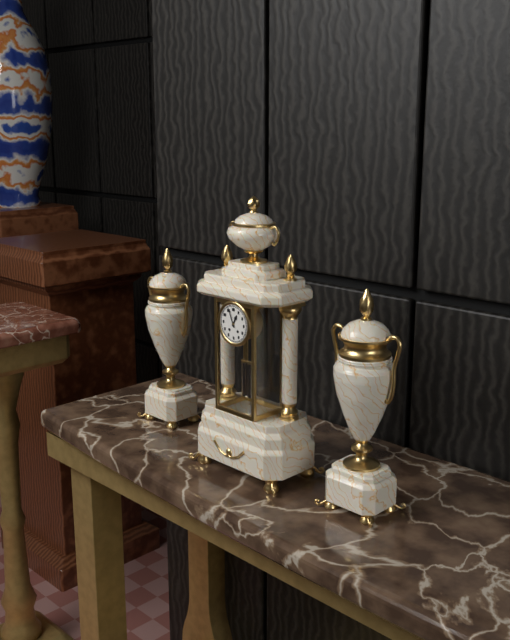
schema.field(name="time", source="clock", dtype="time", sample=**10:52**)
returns **12:56**
